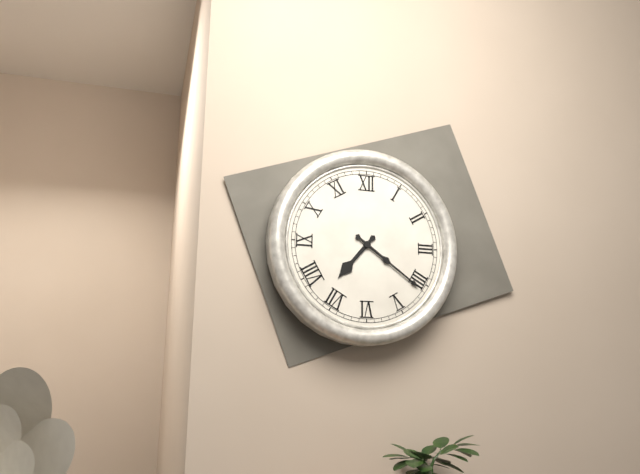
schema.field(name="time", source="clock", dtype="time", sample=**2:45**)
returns **7:21**
